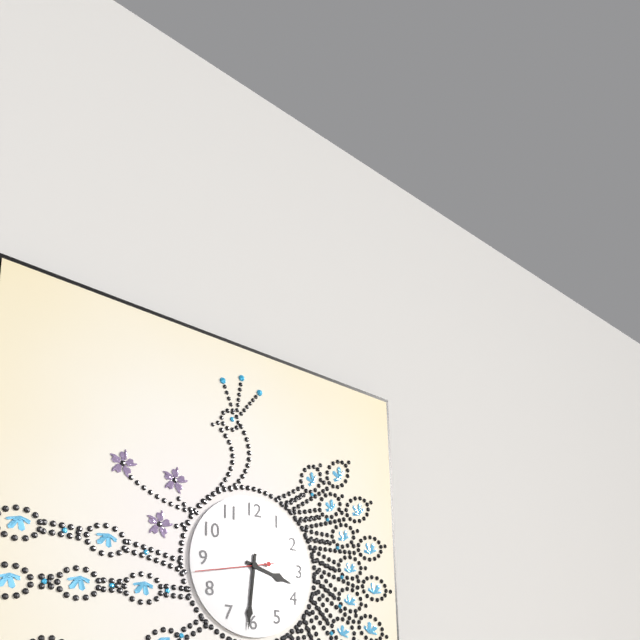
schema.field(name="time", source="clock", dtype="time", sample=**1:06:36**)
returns **3:31:43**
